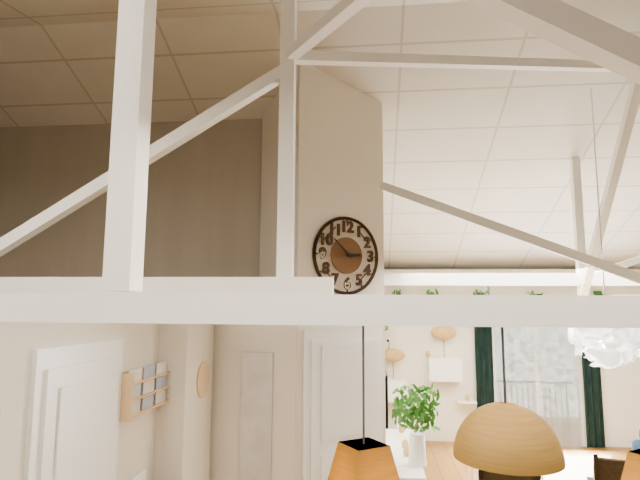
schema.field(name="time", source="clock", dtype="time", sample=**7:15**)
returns **2:52**
